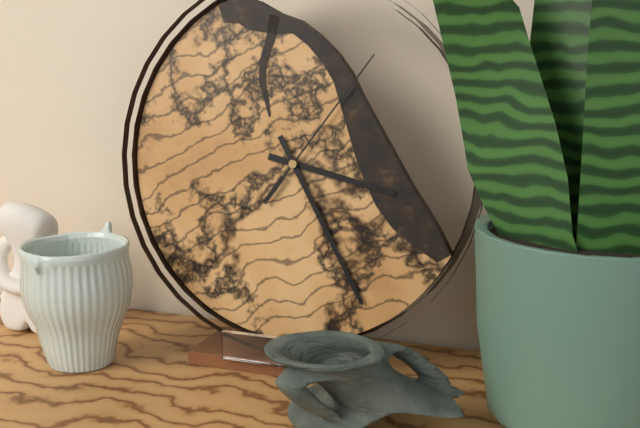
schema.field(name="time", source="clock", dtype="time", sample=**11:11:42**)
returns **3:25:06**
